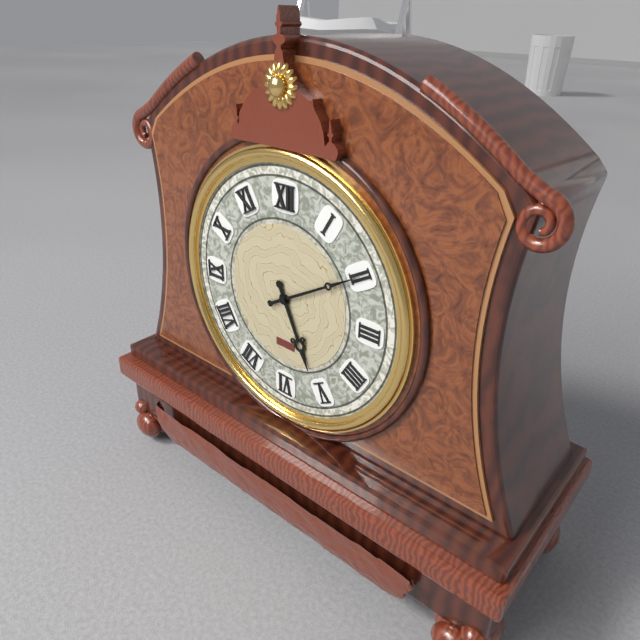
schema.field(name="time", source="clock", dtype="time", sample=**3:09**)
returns **5:10**
